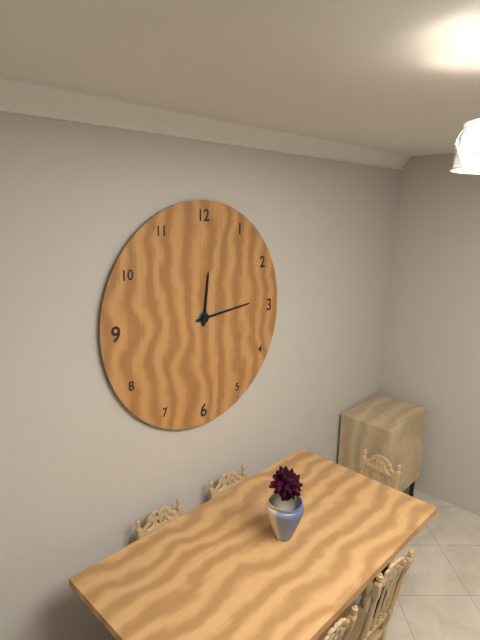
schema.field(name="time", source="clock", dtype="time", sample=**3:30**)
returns **12:14**
